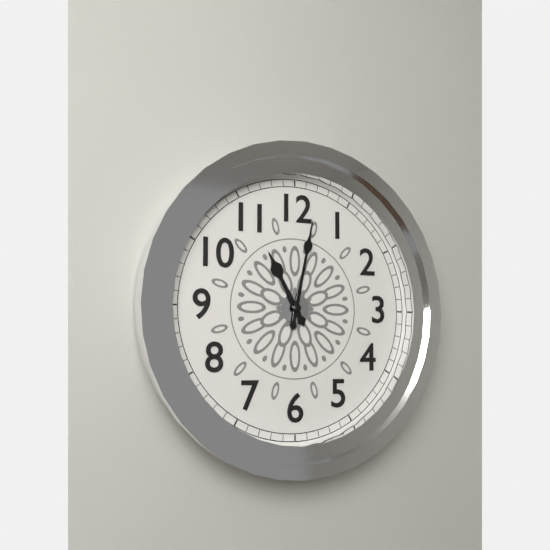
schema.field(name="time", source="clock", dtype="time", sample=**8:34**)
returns **11:02**
